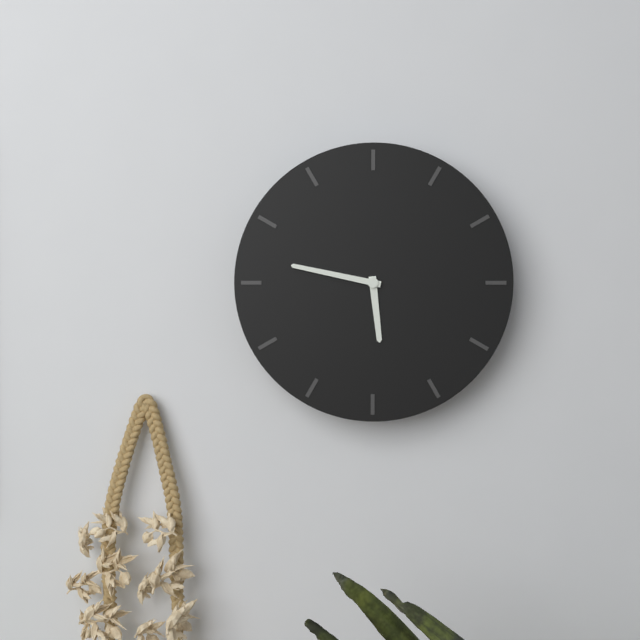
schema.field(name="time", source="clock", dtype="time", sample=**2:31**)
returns **5:47**
